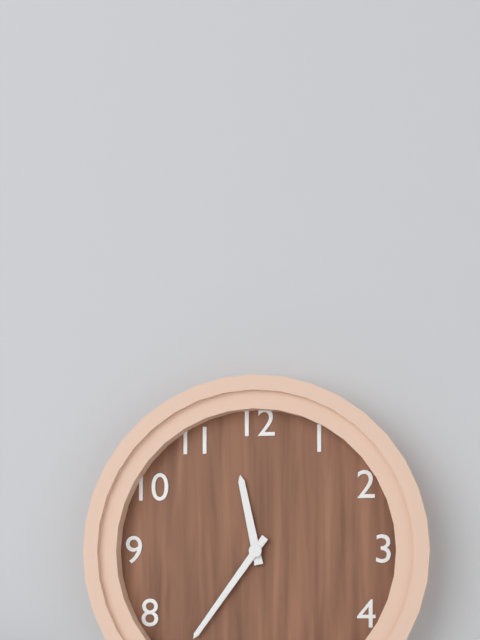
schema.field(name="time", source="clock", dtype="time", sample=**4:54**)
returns **11:36**
